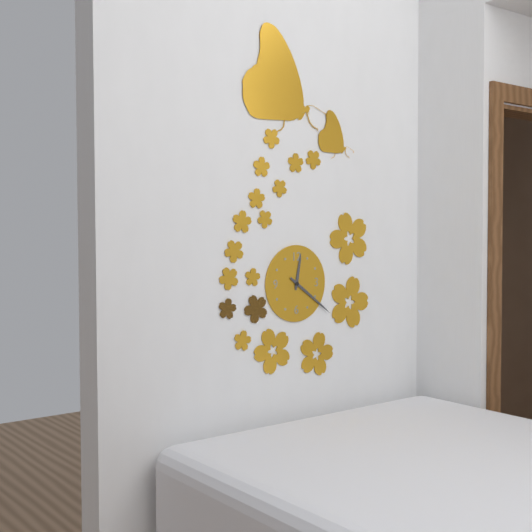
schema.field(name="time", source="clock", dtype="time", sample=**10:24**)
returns **12:21**
